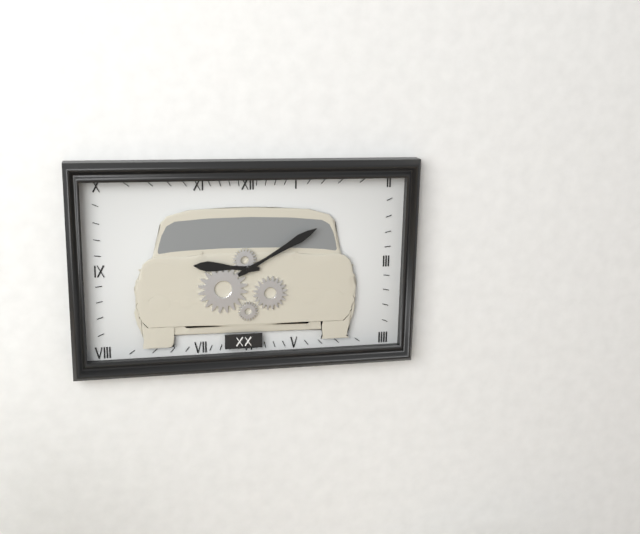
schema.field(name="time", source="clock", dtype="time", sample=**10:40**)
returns **9:10**
